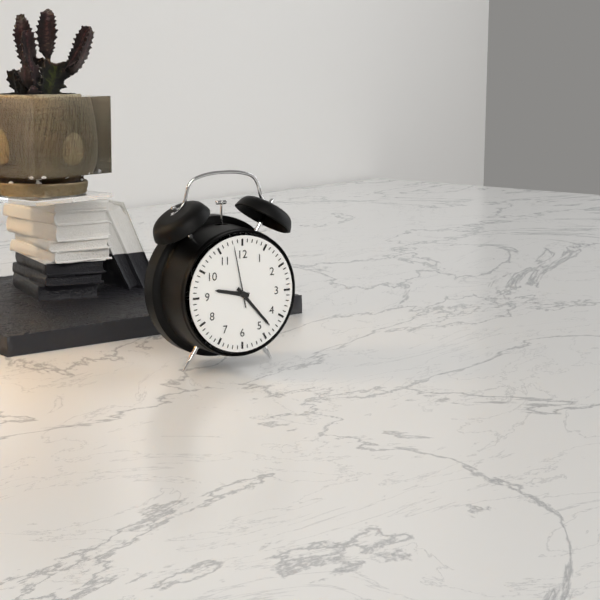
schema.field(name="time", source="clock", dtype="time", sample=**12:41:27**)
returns **9:23:58**
